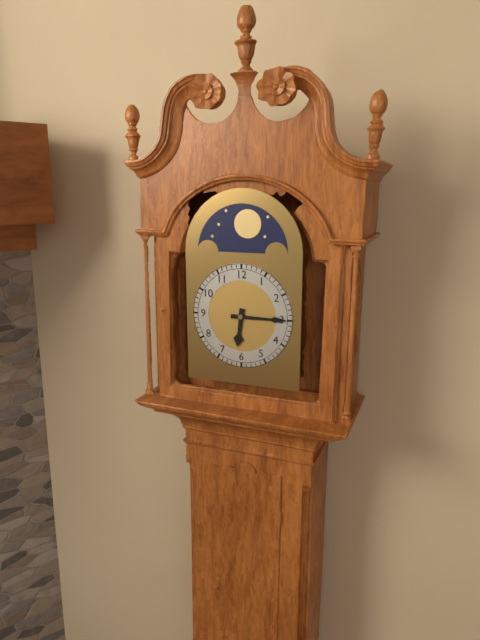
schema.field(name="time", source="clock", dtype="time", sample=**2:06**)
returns **6:15**
